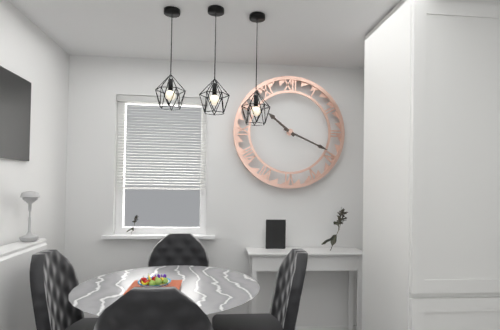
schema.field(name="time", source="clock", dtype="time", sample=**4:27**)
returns **10:19**
